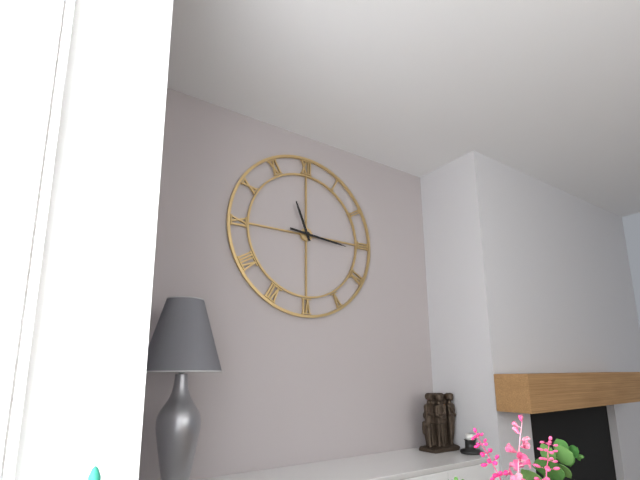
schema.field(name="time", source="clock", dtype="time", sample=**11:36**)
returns **11:16**
